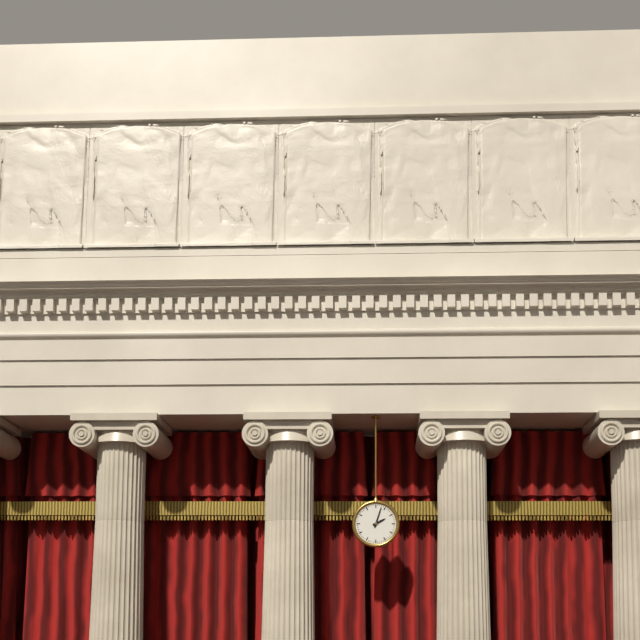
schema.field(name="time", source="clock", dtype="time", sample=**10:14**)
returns **2:03**
